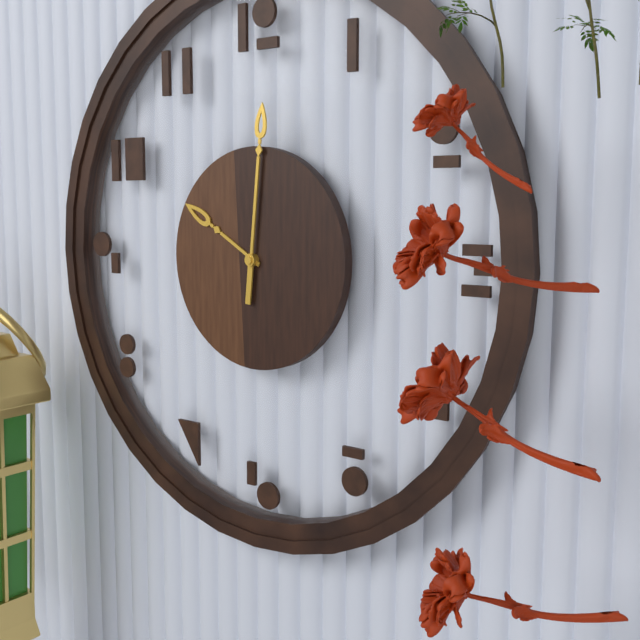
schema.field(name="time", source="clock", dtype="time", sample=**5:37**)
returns **10:01**
